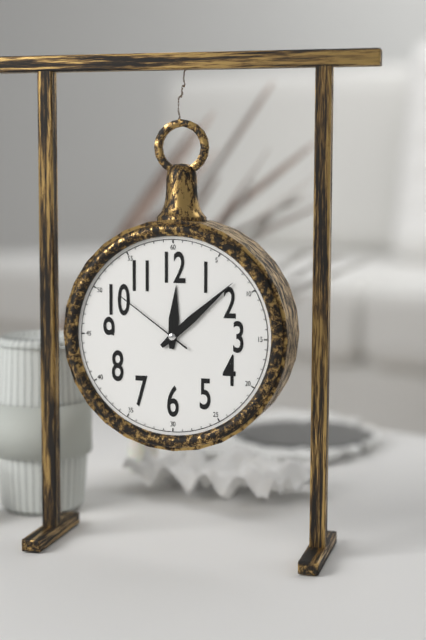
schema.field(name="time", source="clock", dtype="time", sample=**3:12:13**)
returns **12:08:51**
